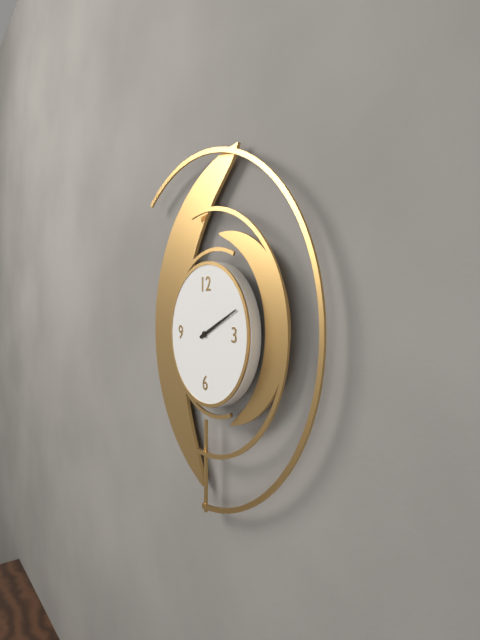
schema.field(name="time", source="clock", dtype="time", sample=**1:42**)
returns **2:11**
